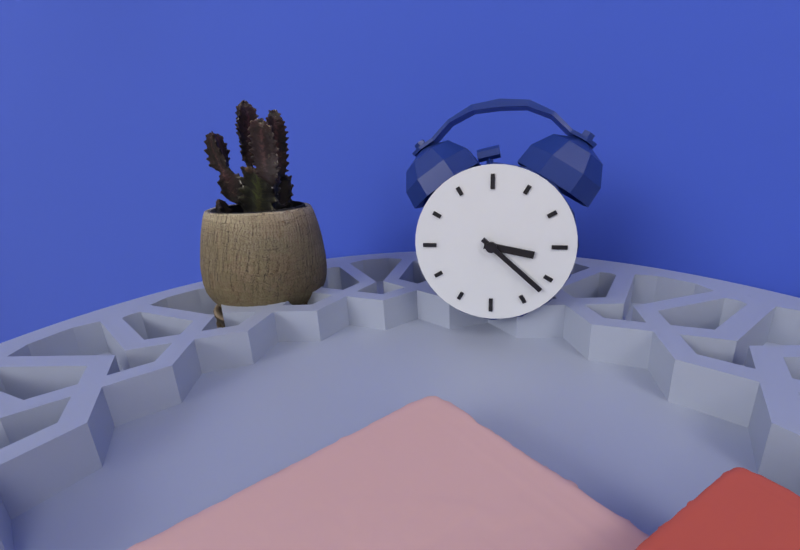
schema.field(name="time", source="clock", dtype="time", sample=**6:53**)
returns **3:22**
